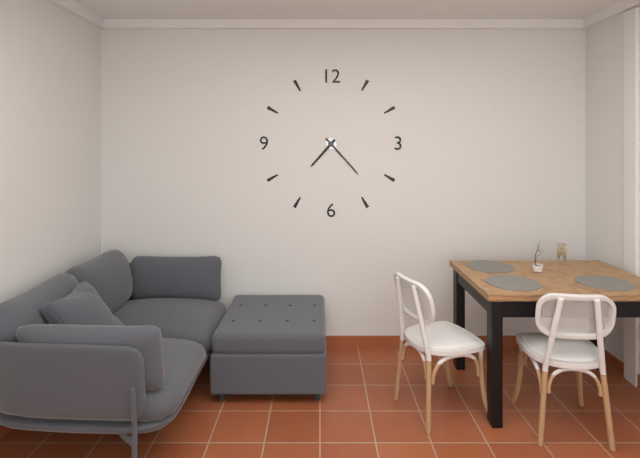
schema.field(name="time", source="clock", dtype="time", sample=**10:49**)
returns **7:23**
